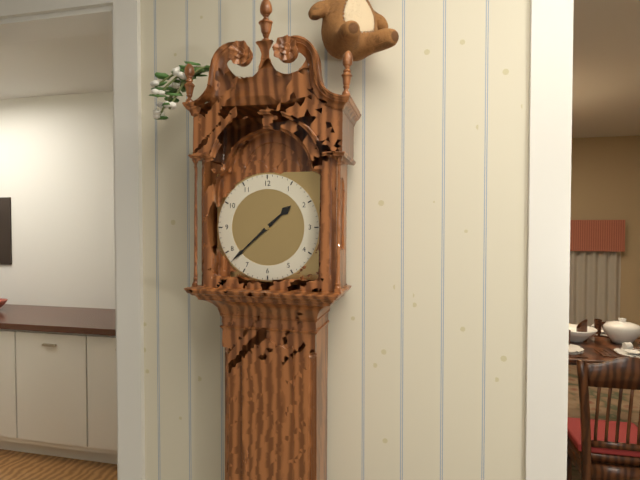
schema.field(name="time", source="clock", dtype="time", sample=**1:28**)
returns **1:38**
